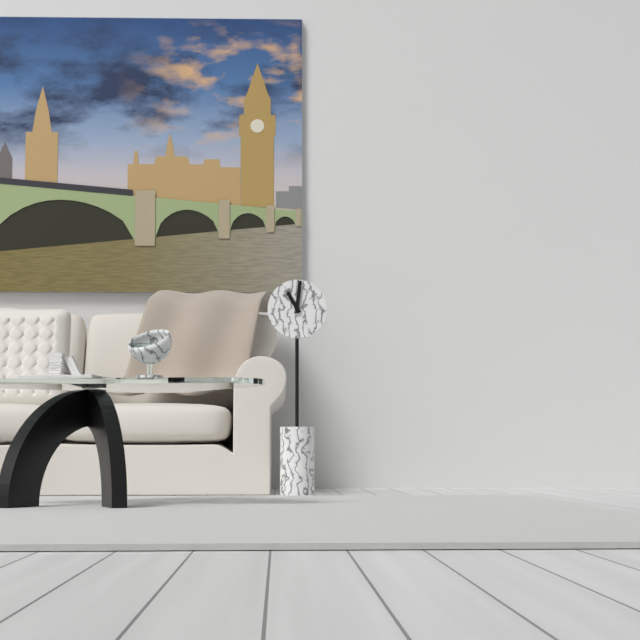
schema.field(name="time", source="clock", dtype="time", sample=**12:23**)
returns **11:01**
